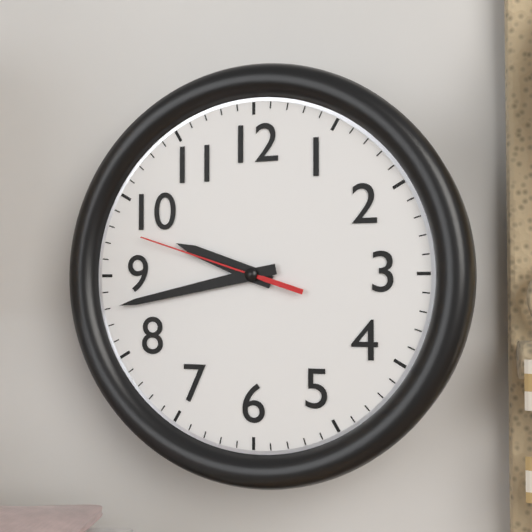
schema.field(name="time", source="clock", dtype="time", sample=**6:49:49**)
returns **9:43:48**
